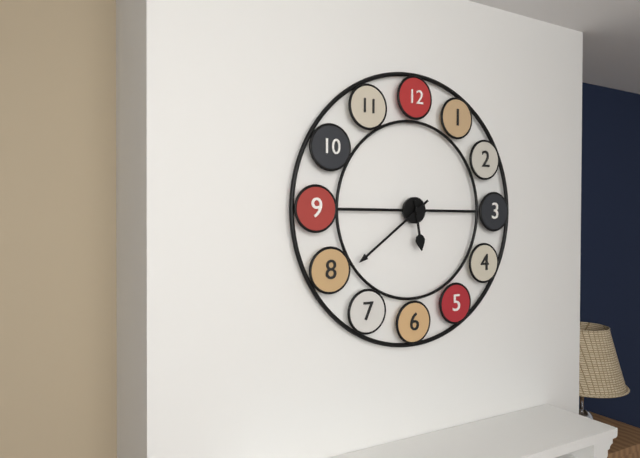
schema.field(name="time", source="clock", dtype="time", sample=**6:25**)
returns **5:39**
